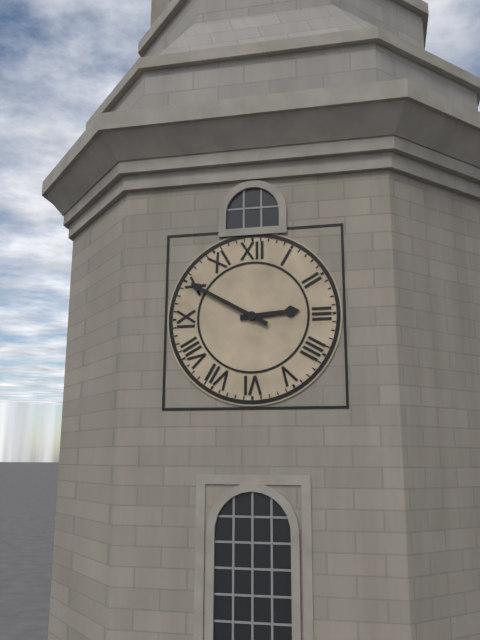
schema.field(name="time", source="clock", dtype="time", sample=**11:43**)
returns **2:50**
